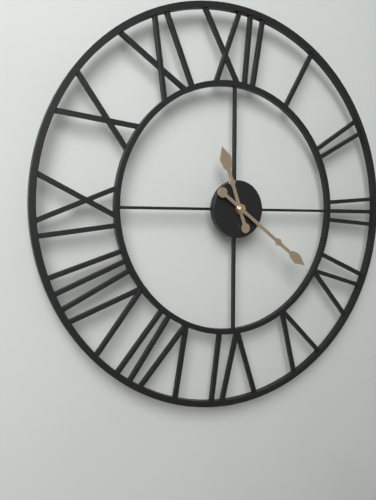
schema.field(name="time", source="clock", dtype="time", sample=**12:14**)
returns **11:21**
